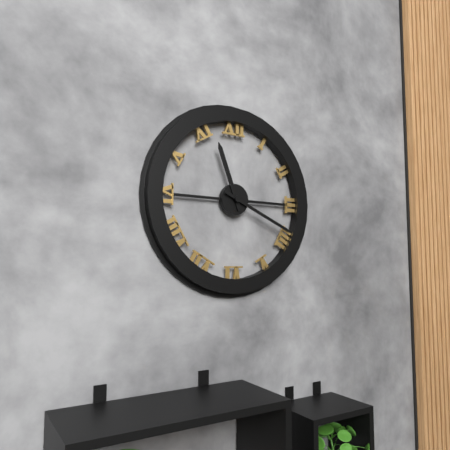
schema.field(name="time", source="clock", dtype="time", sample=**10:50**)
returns **11:19**
